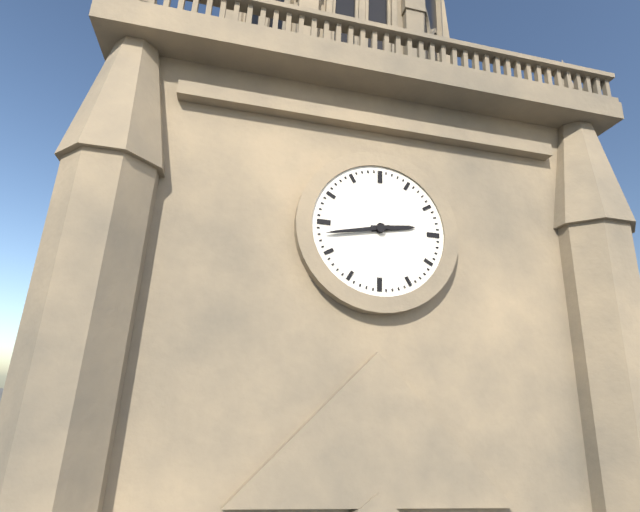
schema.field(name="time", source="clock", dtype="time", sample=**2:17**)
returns **2:43**
